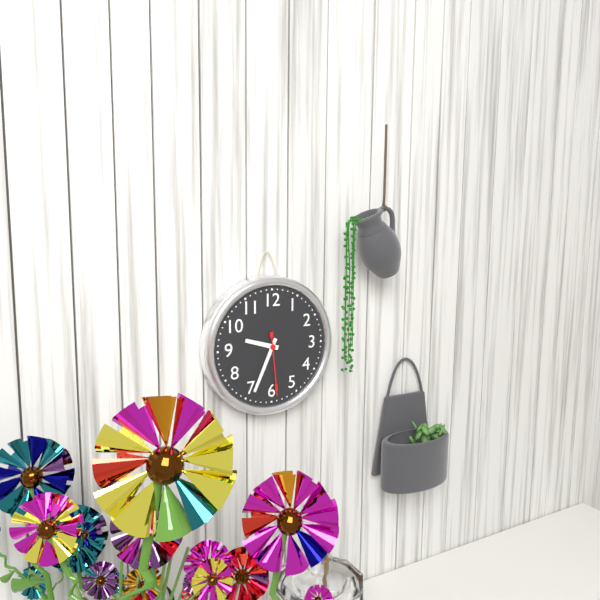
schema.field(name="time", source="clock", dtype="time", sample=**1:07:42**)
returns **9:34:29**
